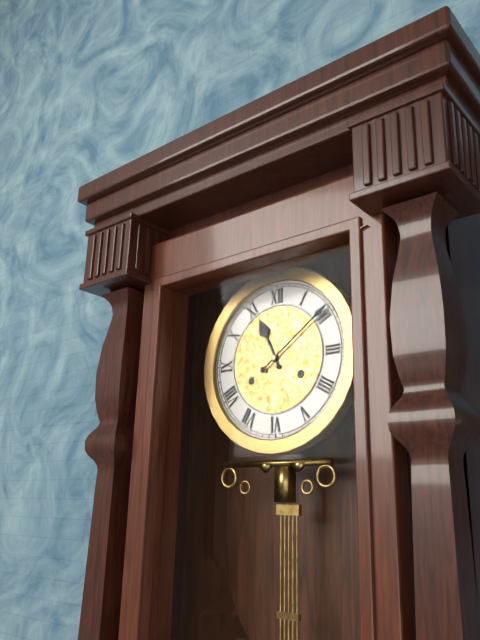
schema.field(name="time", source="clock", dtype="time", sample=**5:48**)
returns **11:09**
